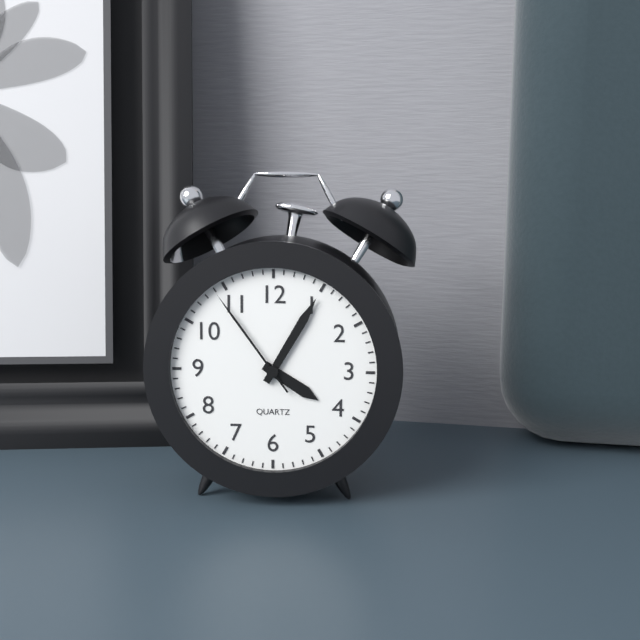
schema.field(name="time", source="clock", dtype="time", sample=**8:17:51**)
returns **4:05:54**
